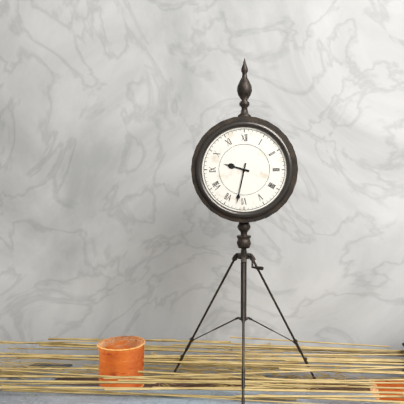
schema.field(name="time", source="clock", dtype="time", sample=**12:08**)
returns **9:32**
